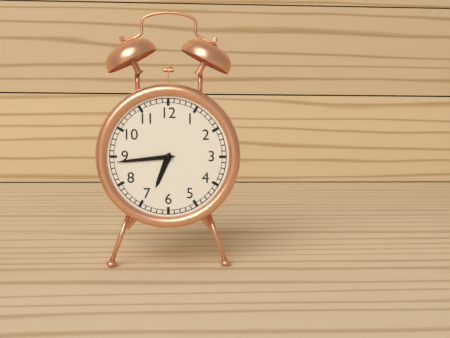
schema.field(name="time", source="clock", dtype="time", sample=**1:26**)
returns **6:44**
